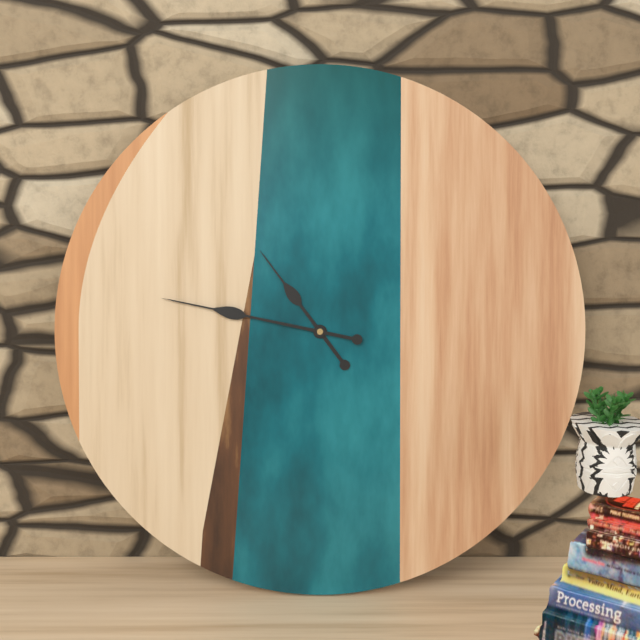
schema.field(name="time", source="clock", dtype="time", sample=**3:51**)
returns **10:47**
